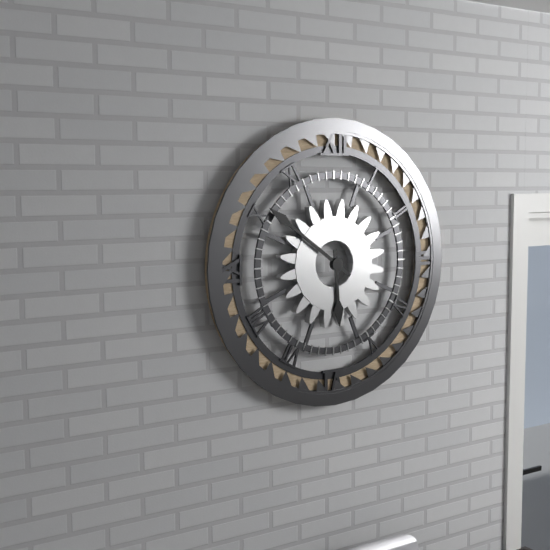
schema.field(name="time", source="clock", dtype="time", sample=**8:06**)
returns **5:51**
